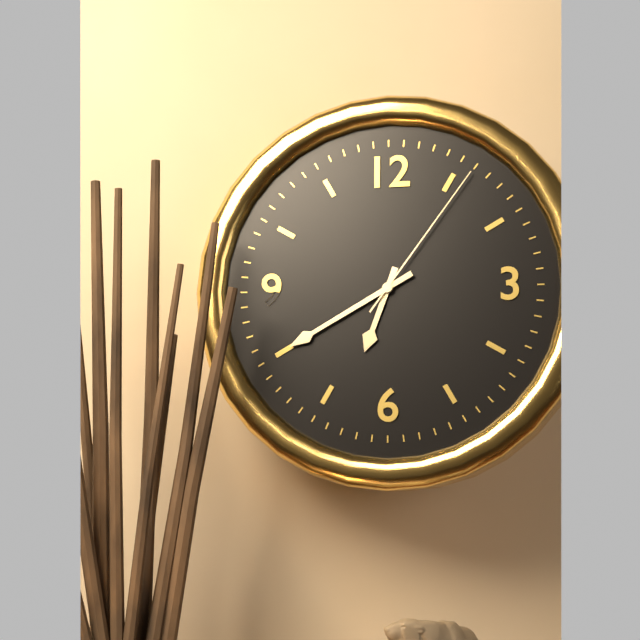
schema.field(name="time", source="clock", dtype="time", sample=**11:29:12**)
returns **6:40:06**
